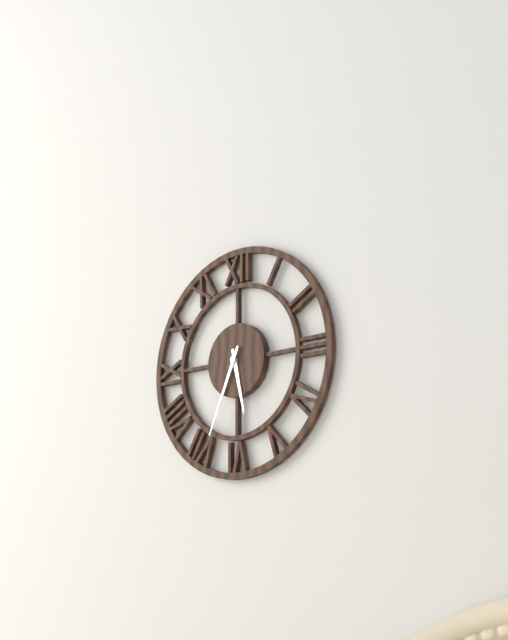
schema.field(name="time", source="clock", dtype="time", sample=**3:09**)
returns **5:34**
